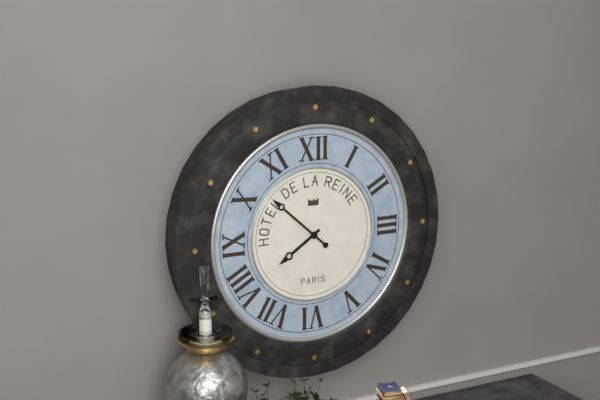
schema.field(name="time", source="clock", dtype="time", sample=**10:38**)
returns **7:52**
